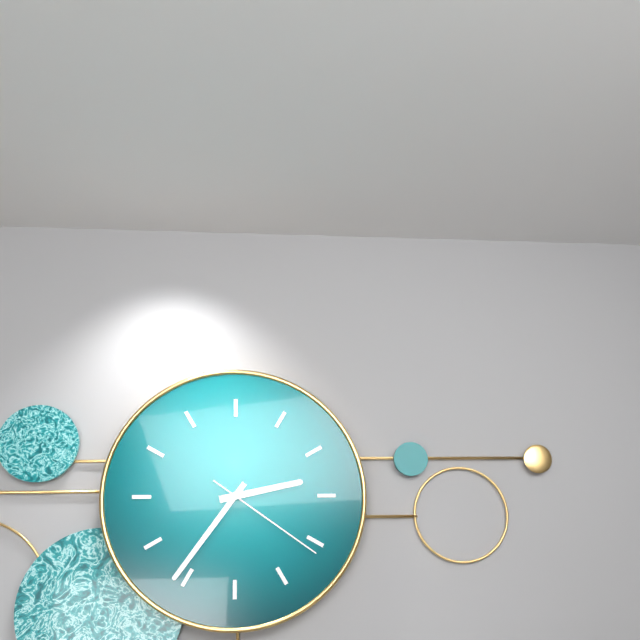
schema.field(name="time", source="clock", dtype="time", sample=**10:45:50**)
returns **2:36:21**
